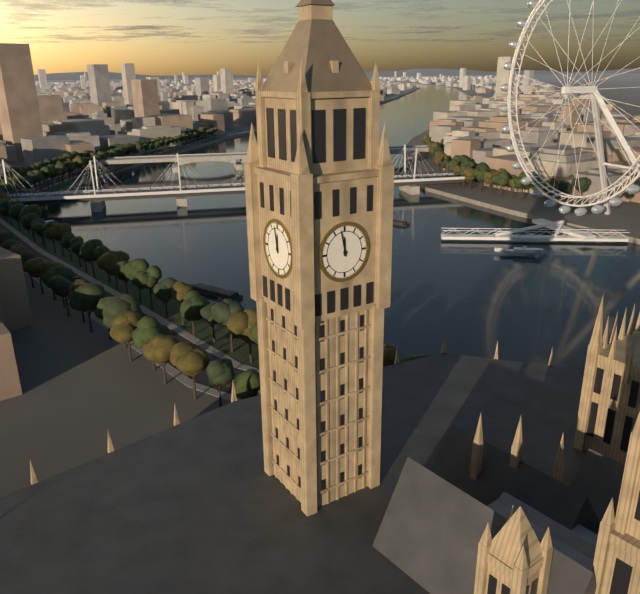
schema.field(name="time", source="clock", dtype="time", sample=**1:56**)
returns **11:58**
